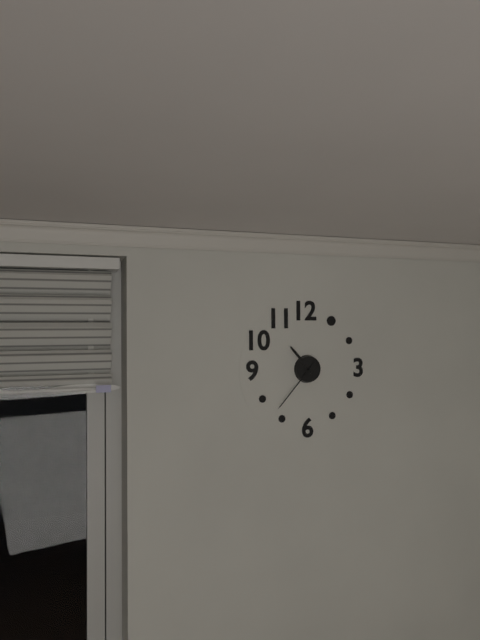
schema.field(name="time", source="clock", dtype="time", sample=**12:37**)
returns **10:37**
